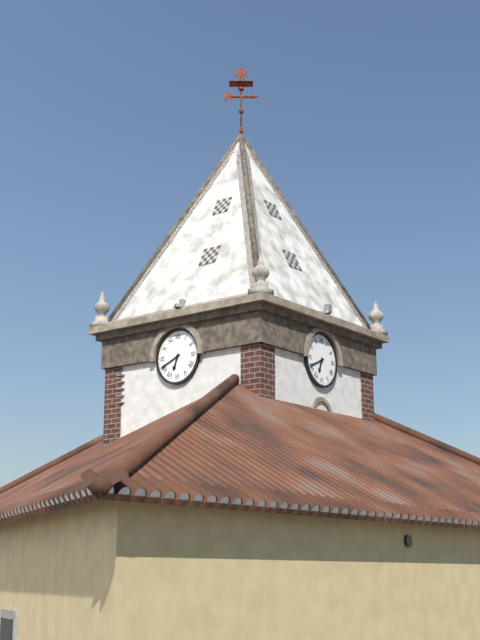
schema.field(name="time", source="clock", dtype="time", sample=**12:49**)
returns **6:41**
